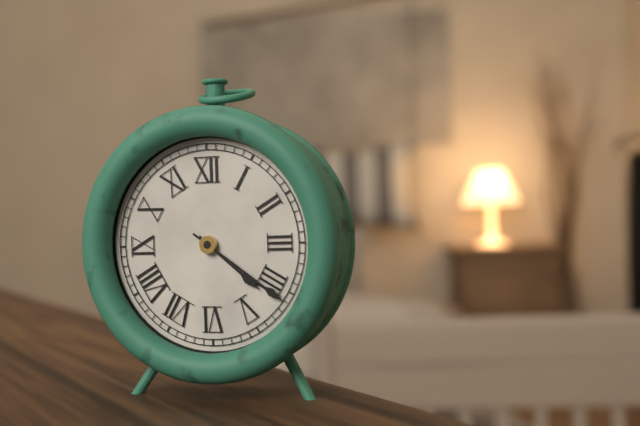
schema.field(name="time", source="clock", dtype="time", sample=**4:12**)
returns **4:21**
